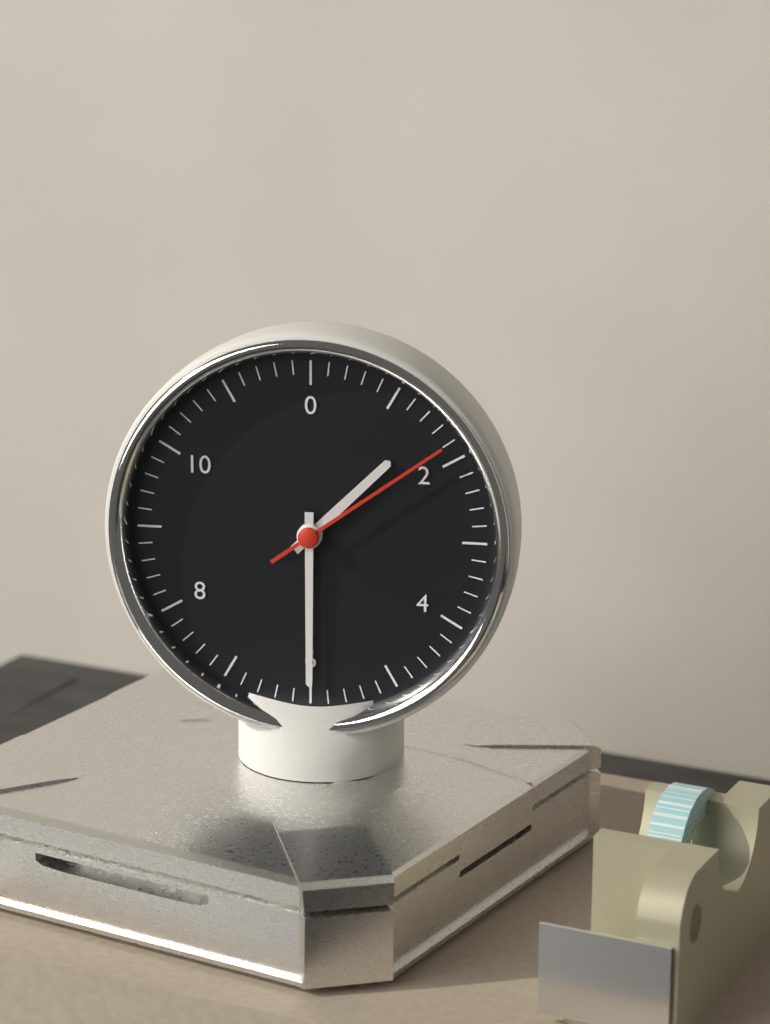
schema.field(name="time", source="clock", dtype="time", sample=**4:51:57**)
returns **1:30:09**
